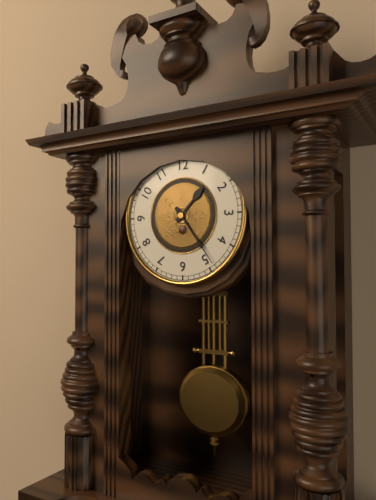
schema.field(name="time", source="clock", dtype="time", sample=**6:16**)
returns **1:24**
